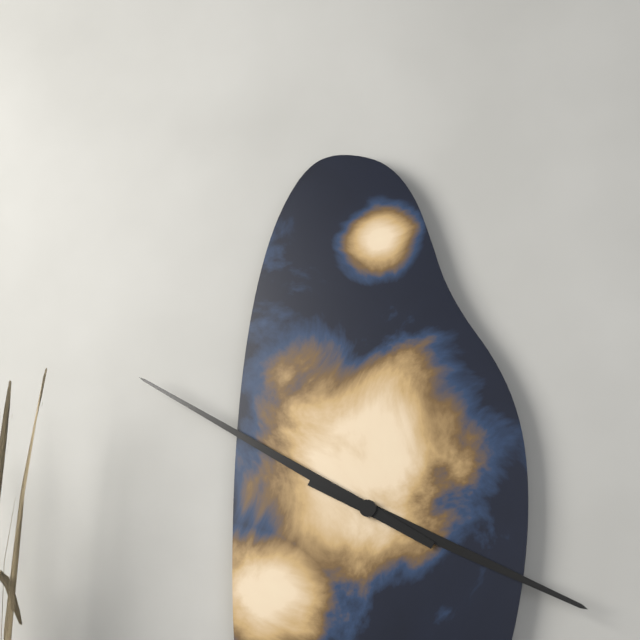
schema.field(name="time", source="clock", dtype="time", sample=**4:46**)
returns **3:50**
